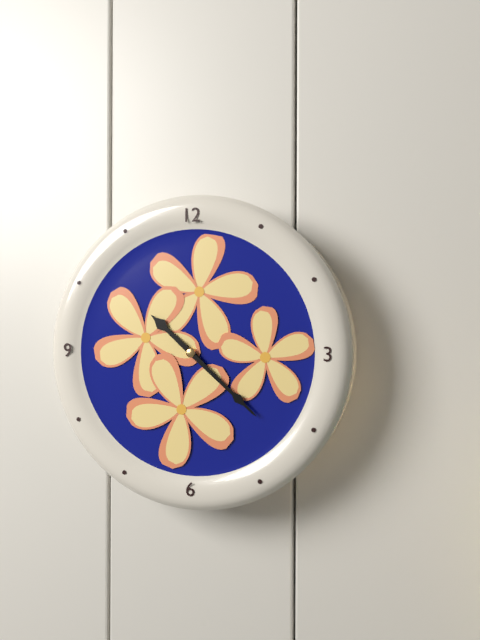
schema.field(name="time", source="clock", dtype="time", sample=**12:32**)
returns **10:22**
